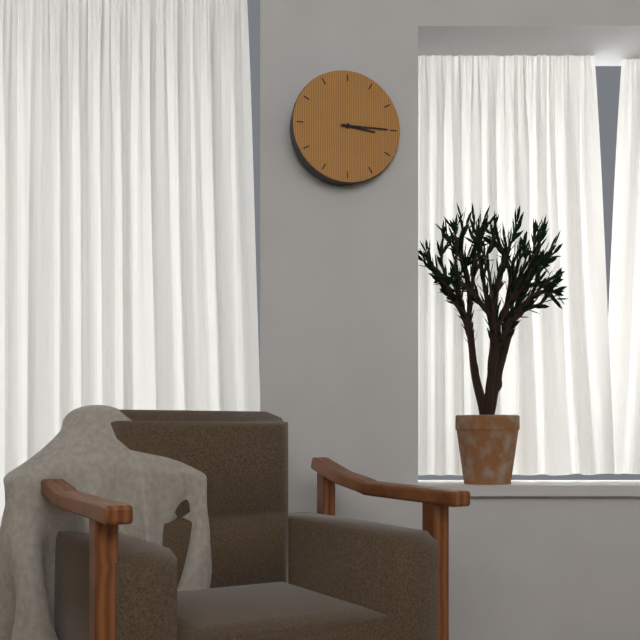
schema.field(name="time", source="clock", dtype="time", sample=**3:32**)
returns **3:15**
